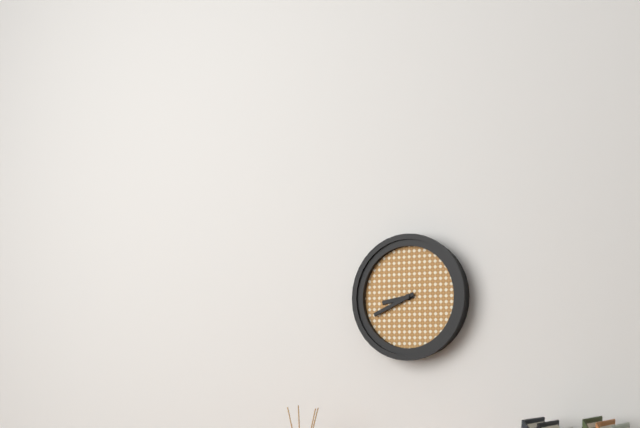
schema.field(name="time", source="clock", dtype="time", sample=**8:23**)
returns **8:41**
